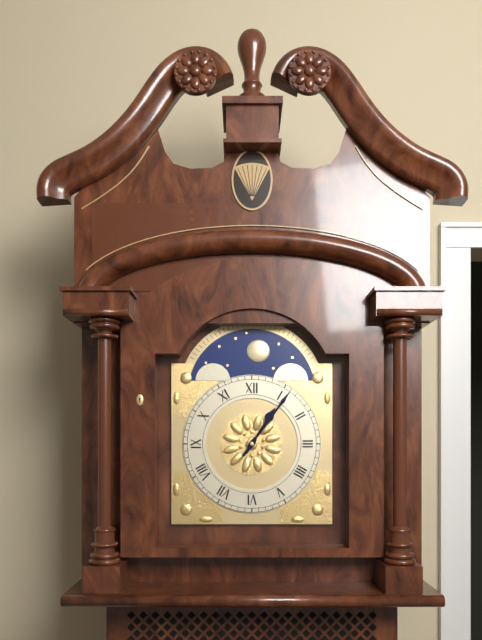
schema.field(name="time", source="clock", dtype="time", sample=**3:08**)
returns **1:06**
